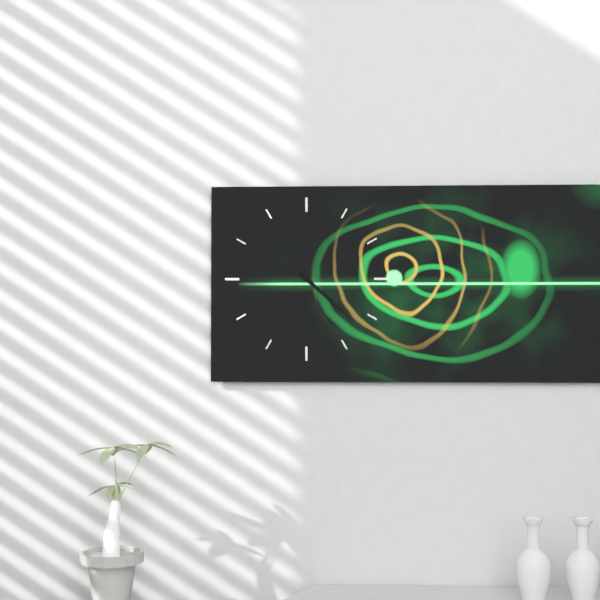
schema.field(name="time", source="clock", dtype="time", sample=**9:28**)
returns **4:22**
